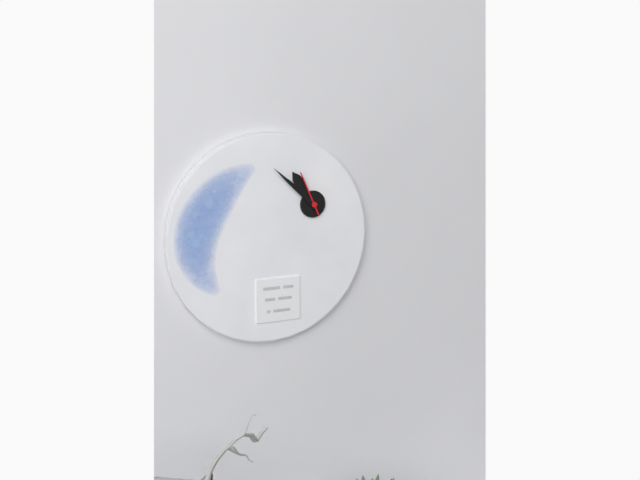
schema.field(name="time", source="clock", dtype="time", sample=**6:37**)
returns **10:52**
